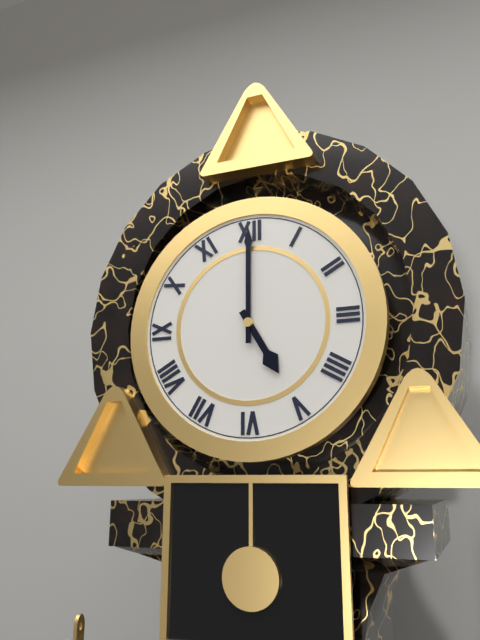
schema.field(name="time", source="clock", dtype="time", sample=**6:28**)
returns **5:00**
